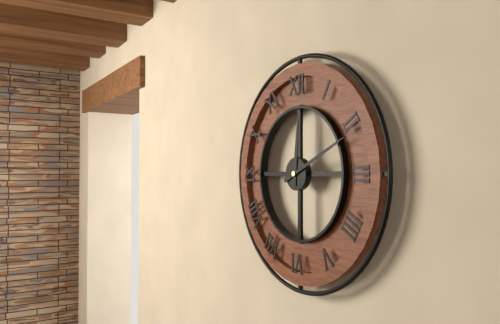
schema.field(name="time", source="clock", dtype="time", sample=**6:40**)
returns **12:11**
